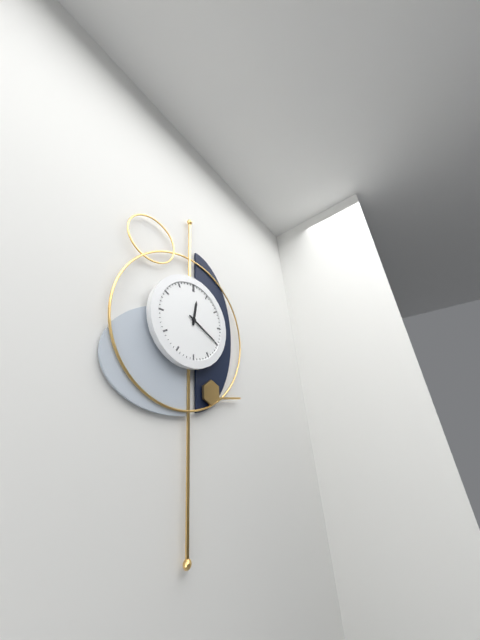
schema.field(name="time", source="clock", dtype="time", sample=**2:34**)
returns **12:20**
